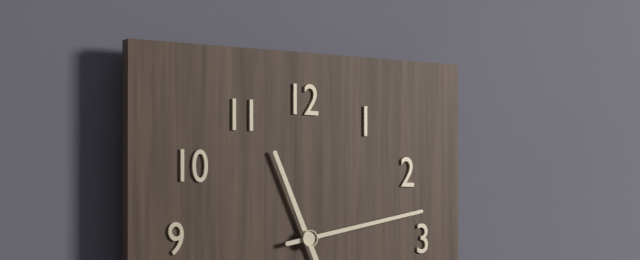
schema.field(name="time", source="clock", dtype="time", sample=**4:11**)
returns **11:13**
